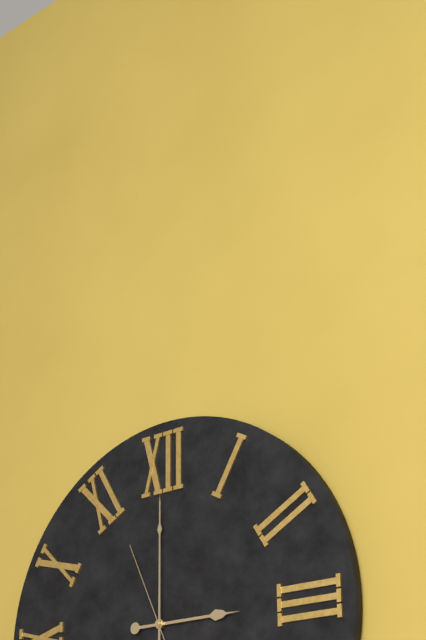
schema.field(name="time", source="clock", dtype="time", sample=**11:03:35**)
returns **3:00:56**
